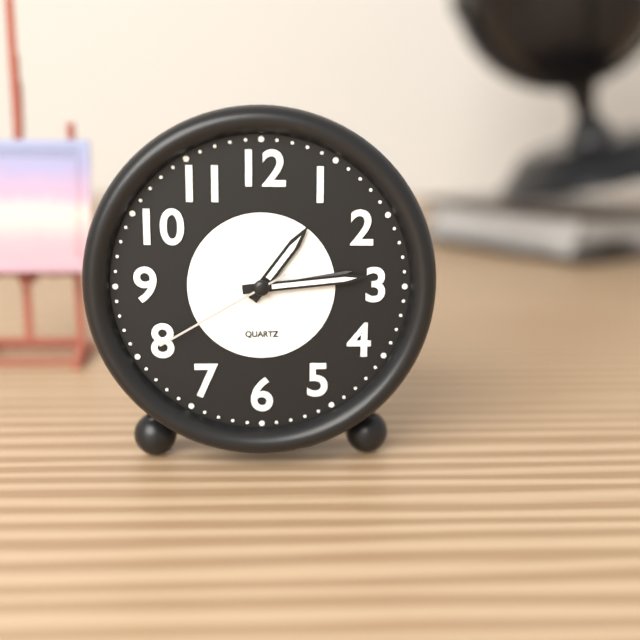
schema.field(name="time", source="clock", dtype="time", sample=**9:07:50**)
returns **1:14:40**
